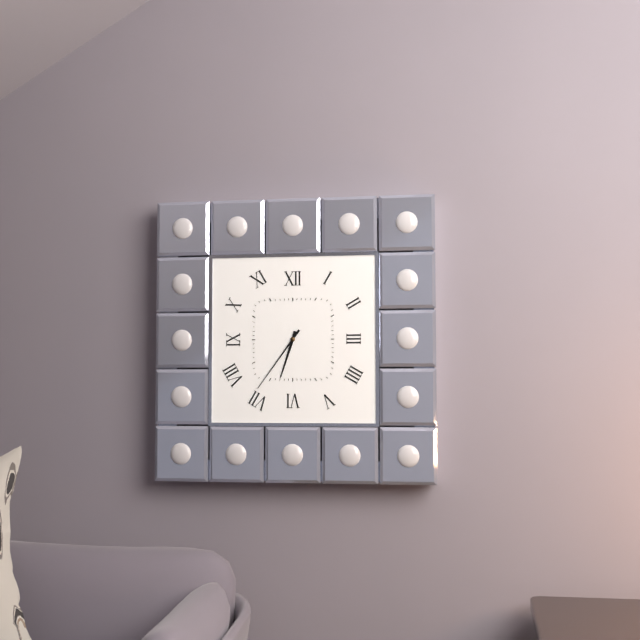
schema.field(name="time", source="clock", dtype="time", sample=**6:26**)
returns **6:36**
